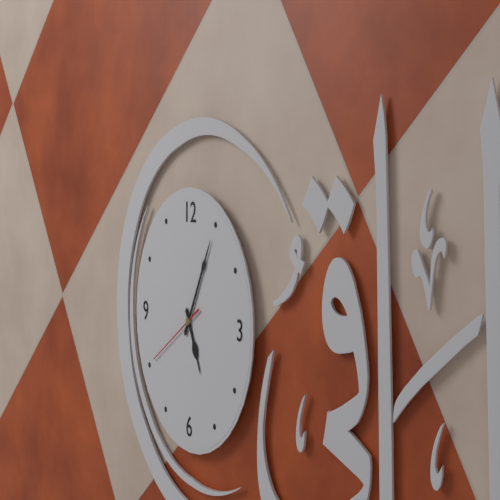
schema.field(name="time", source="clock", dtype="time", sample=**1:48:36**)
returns **5:05:40**
